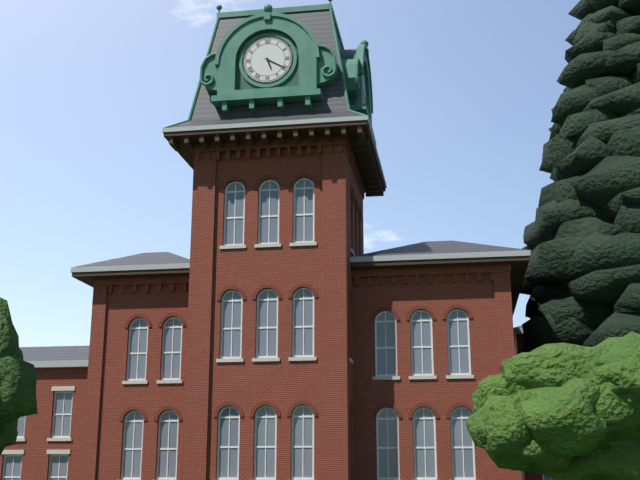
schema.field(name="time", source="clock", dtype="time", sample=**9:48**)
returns **5:20**
